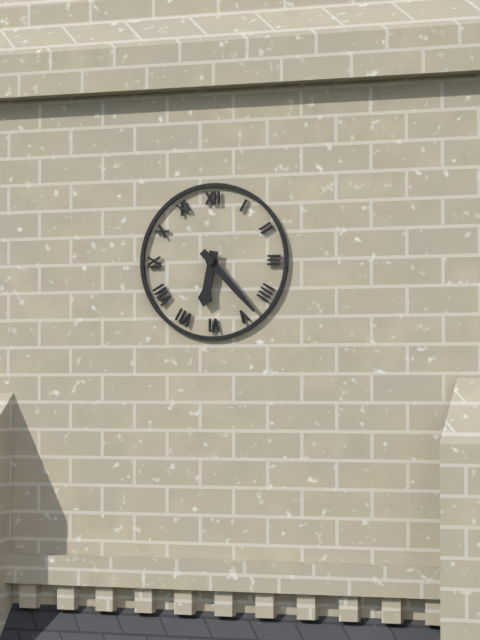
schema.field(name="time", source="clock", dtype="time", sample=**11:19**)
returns **6:23**
